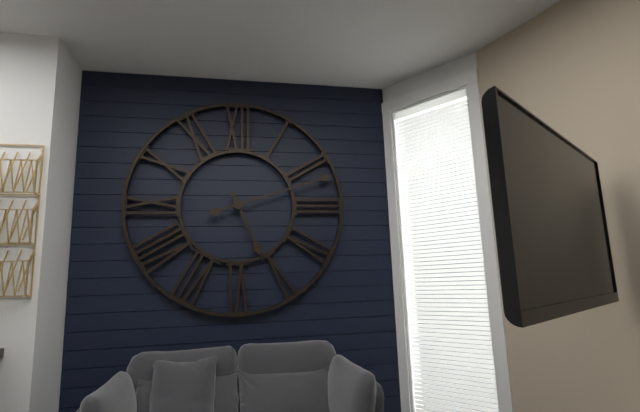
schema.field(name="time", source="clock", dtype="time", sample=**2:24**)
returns **5:12**
